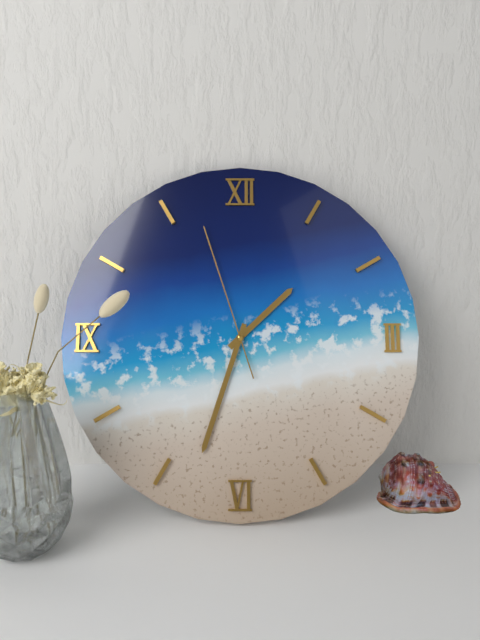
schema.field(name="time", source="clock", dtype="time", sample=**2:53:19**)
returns **1:33:57**
